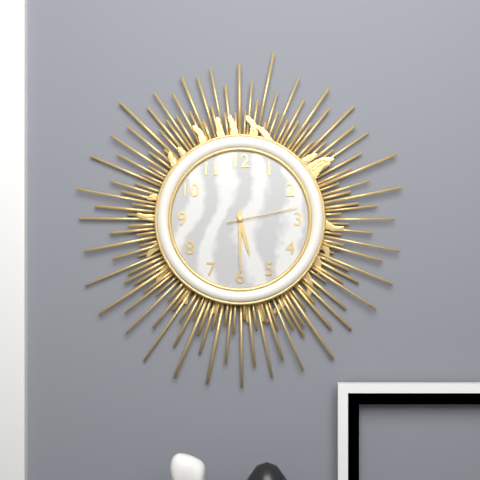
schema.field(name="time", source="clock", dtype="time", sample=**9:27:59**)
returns **5:30:13**
